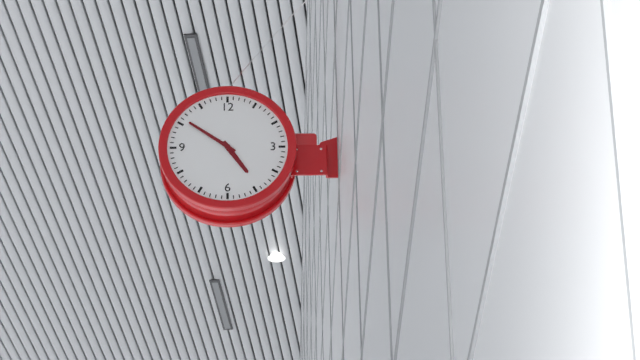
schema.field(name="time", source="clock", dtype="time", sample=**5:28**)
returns **4:51**
